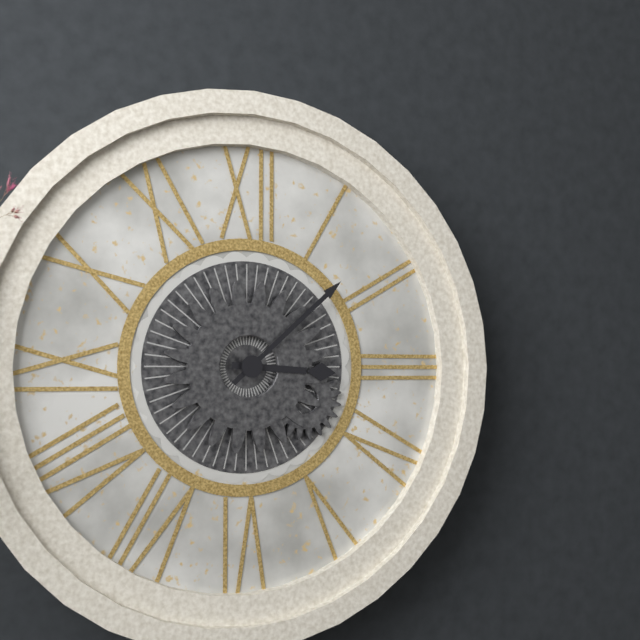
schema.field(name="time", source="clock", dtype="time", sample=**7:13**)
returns **3:08**
